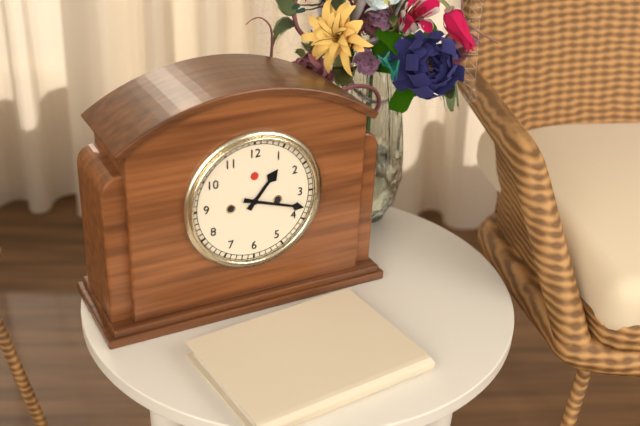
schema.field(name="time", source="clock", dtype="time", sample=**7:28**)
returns **1:18**
